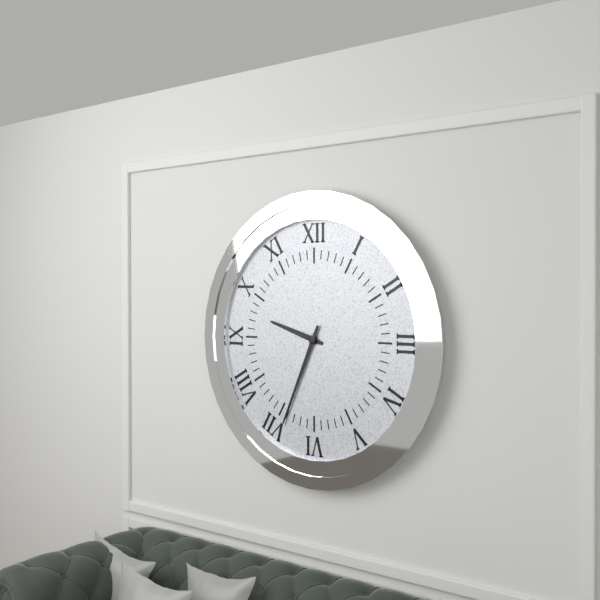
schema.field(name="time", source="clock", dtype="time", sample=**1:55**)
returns **9:34**
